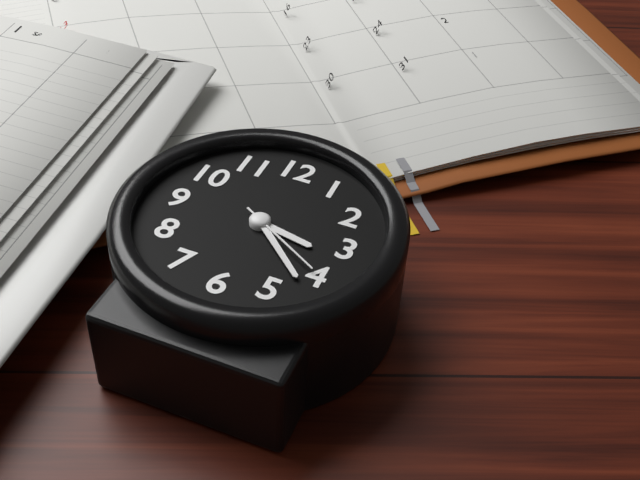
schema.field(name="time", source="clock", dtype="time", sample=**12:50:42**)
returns **3:22:20**
